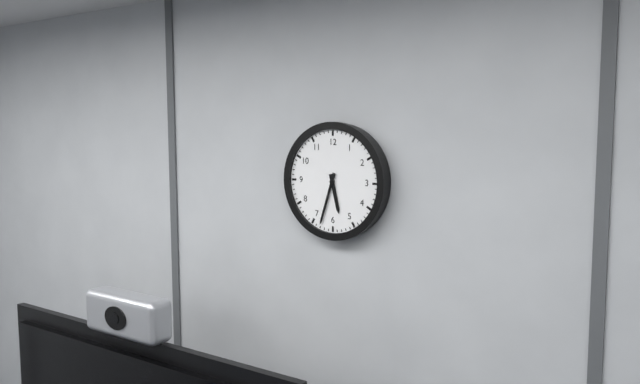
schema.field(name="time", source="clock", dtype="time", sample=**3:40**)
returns **5:33**
